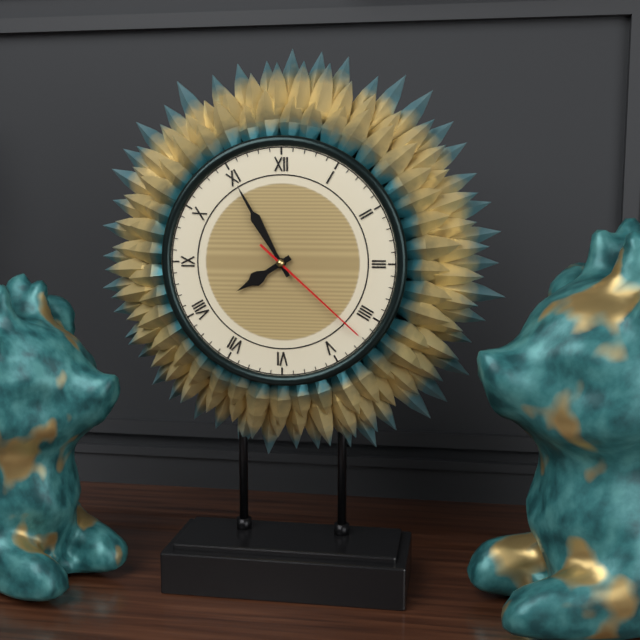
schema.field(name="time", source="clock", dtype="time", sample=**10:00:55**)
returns **7:55:22**
